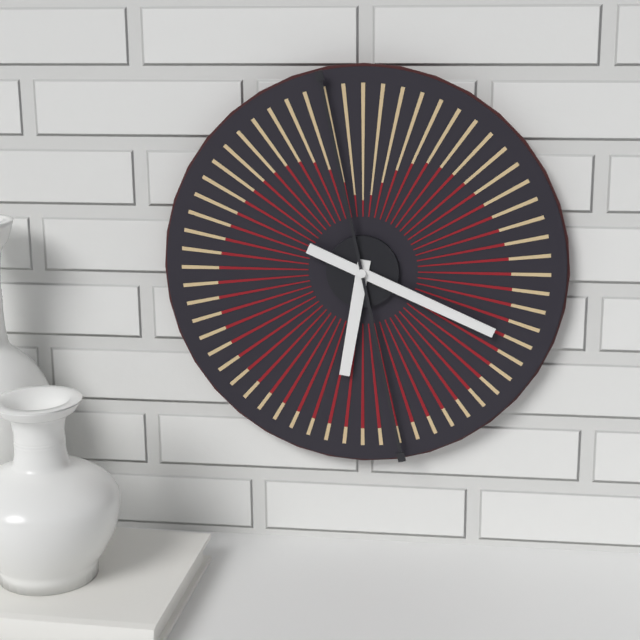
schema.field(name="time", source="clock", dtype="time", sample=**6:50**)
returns **6:19**
